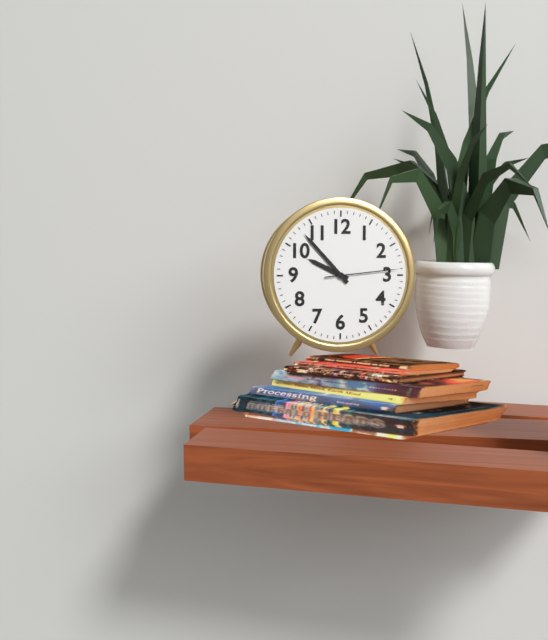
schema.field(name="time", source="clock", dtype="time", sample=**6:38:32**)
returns **9:53:14**
